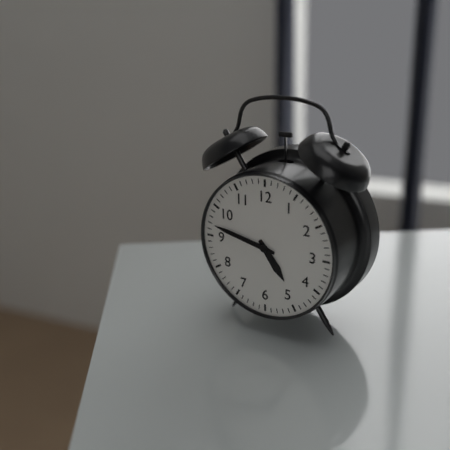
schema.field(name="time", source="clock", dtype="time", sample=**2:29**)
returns **4:47**
